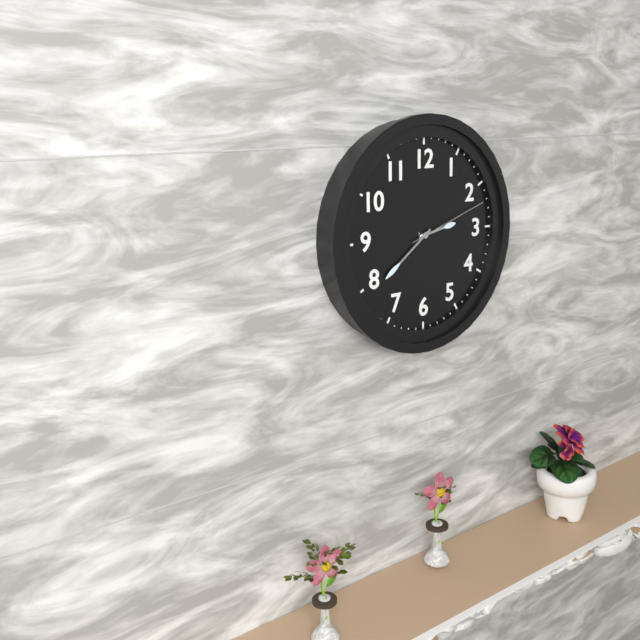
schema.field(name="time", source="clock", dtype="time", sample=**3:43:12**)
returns **2:39:12**
